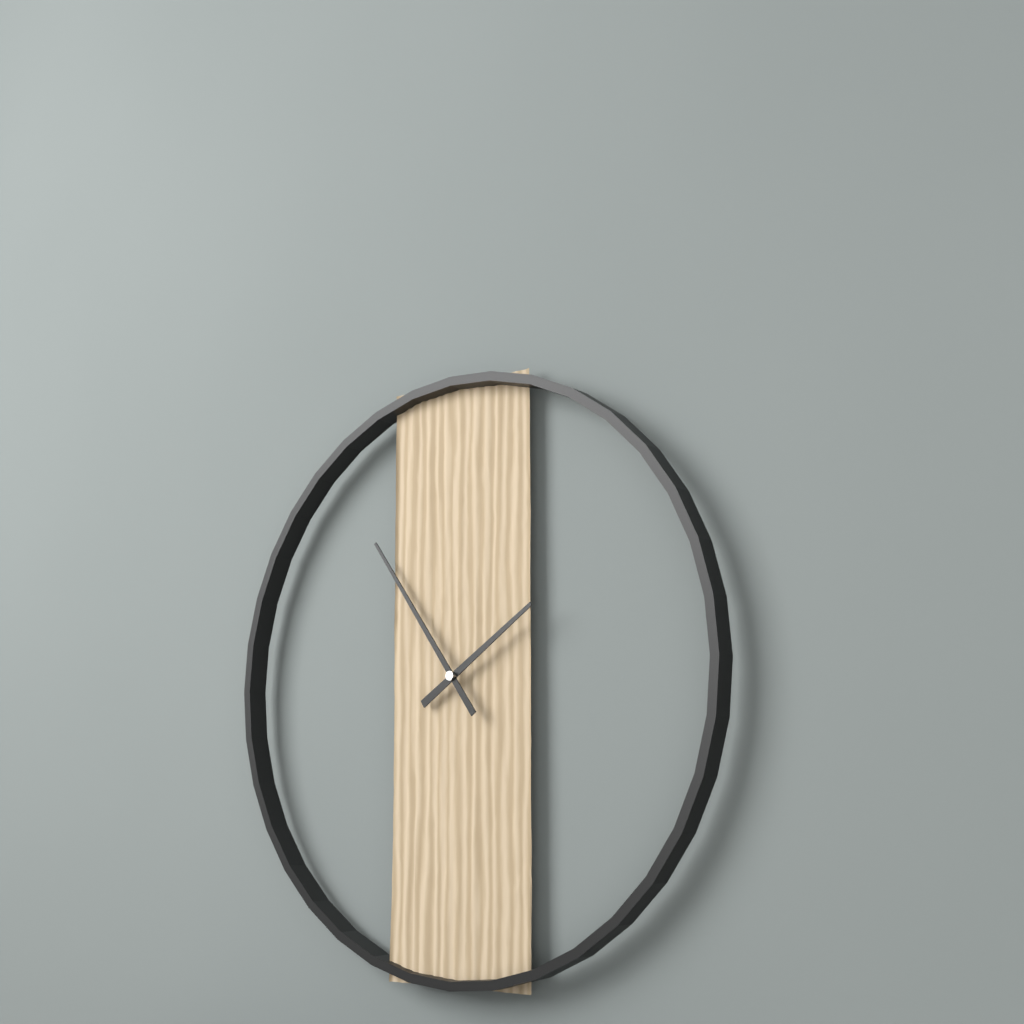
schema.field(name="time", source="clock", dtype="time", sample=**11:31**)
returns **1:54**
